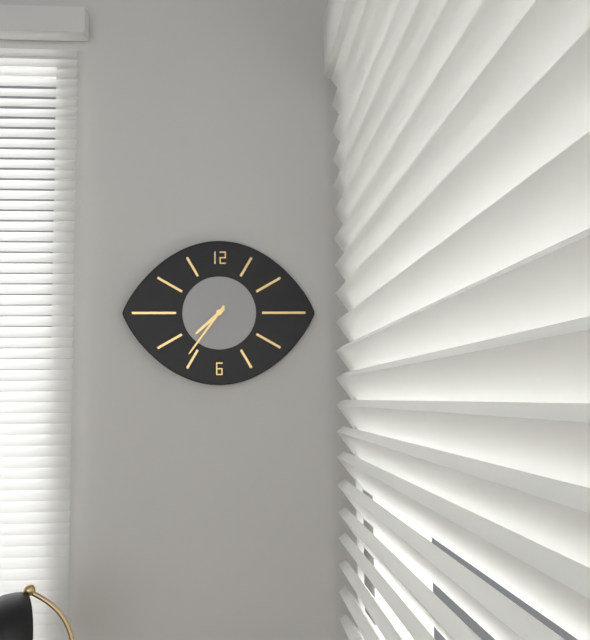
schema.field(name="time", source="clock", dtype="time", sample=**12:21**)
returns **7:36**
